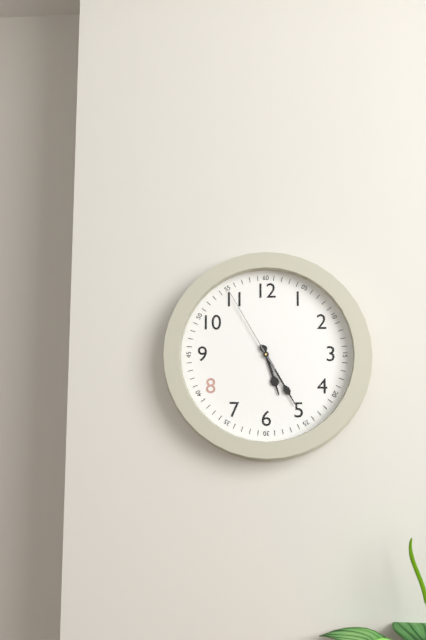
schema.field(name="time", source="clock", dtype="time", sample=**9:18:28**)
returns **5:25:55**
